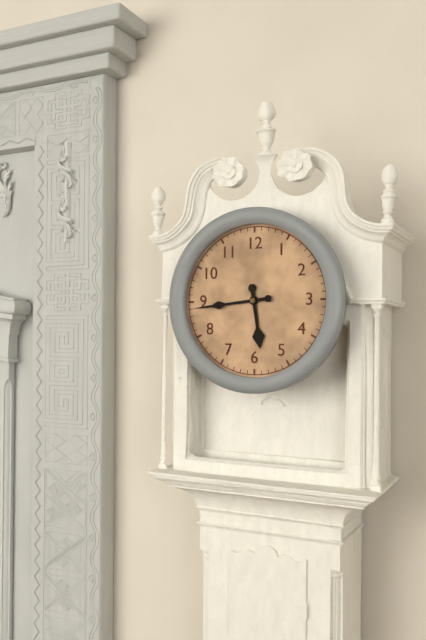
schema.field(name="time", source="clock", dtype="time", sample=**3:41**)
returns **5:44**
